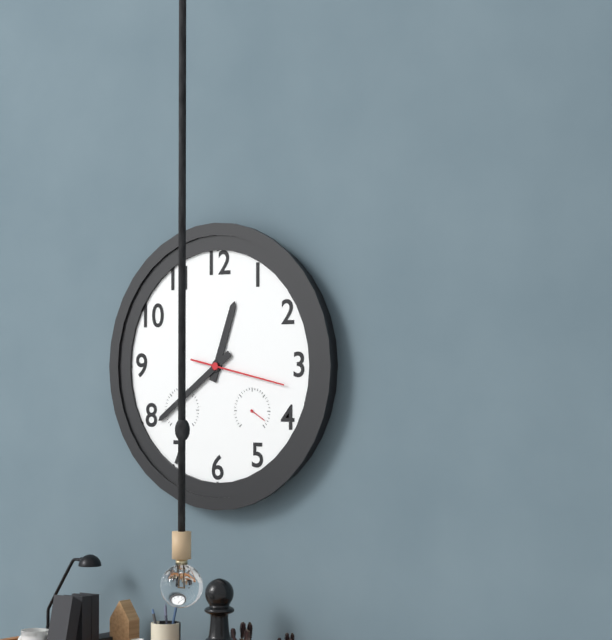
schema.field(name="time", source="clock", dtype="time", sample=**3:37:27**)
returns **12:39:17**
